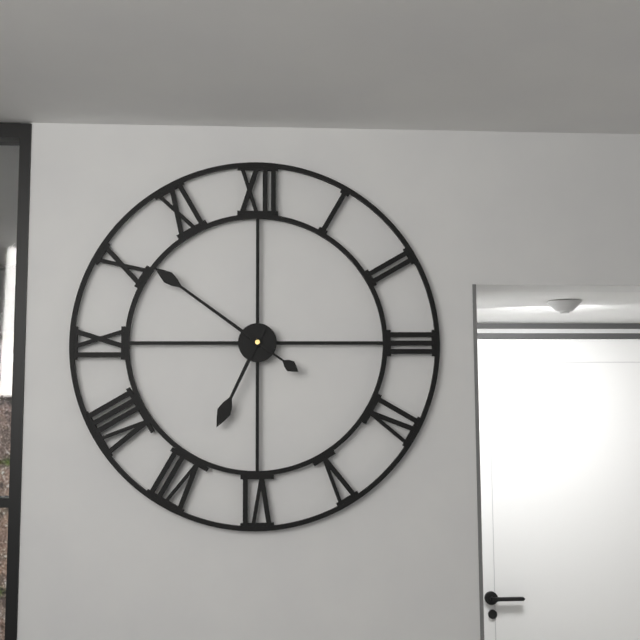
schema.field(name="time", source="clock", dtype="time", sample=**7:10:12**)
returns **6:51:21**
